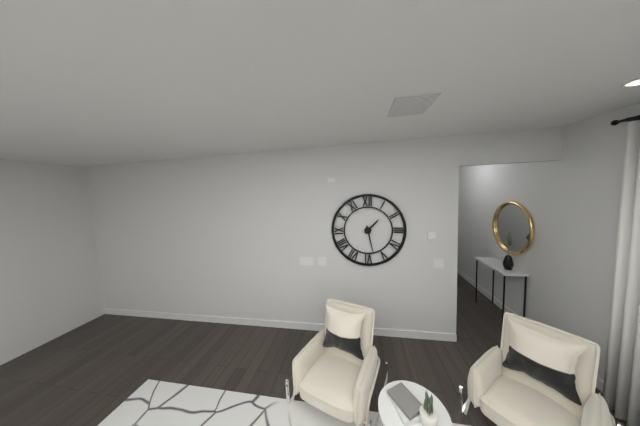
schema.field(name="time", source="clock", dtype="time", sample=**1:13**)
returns **1:28**
